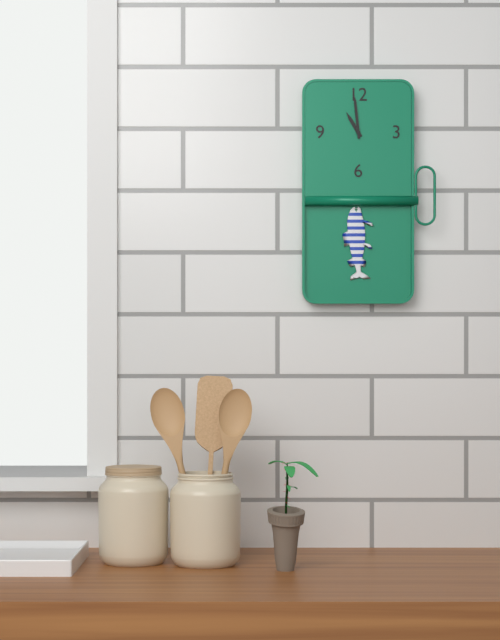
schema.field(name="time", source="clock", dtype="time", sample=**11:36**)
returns **10:59**
